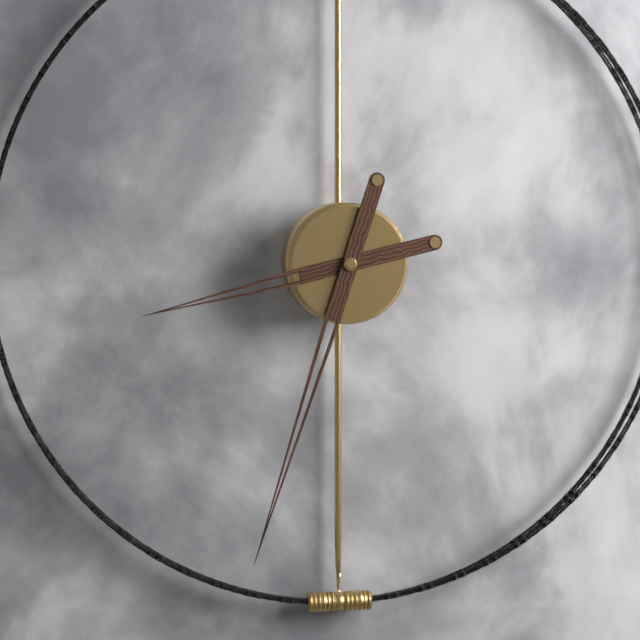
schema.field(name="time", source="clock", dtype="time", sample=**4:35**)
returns **8:33**
